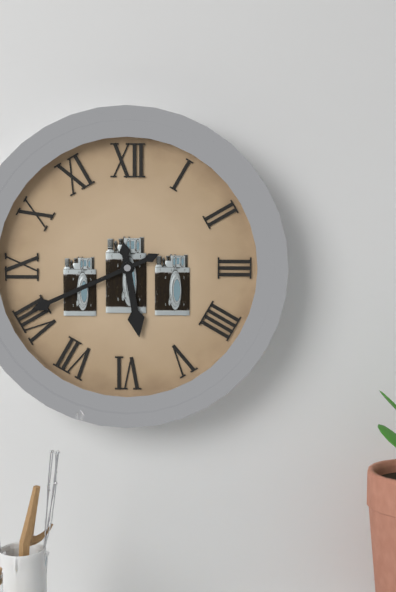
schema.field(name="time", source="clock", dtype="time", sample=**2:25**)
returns **5:41**
